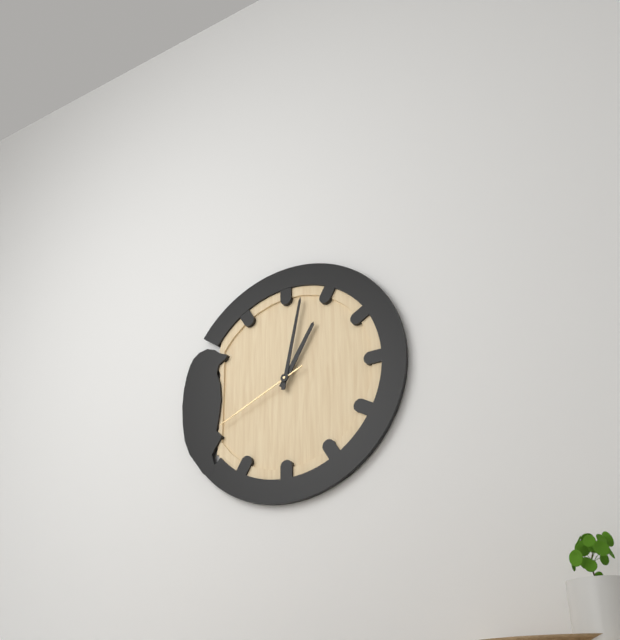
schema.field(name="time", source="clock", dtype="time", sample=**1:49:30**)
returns **1:02:41**
